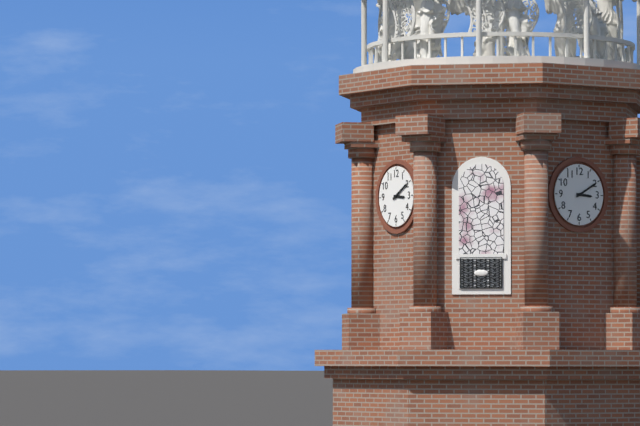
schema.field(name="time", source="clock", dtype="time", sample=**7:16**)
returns **3:10**
